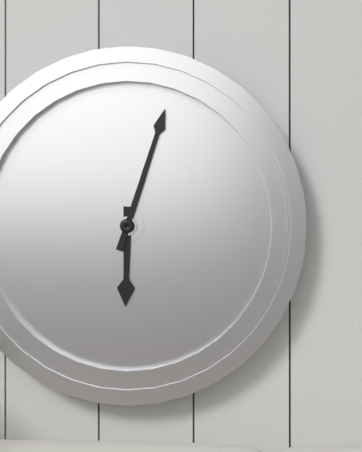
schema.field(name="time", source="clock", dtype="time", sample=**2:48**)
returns **6:03**
